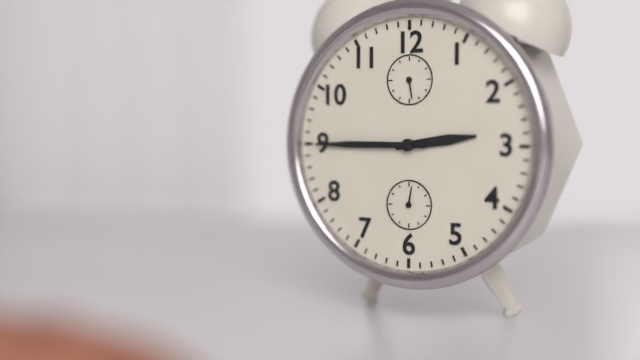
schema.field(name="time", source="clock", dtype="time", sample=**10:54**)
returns **2:45**
